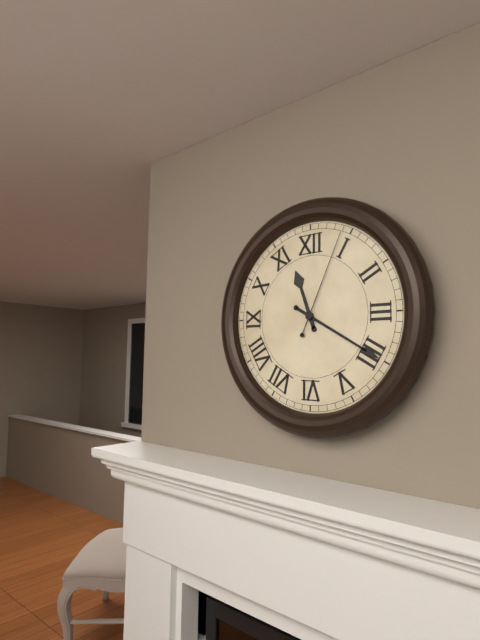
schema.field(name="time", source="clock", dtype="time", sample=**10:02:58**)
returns **11:20:04**
